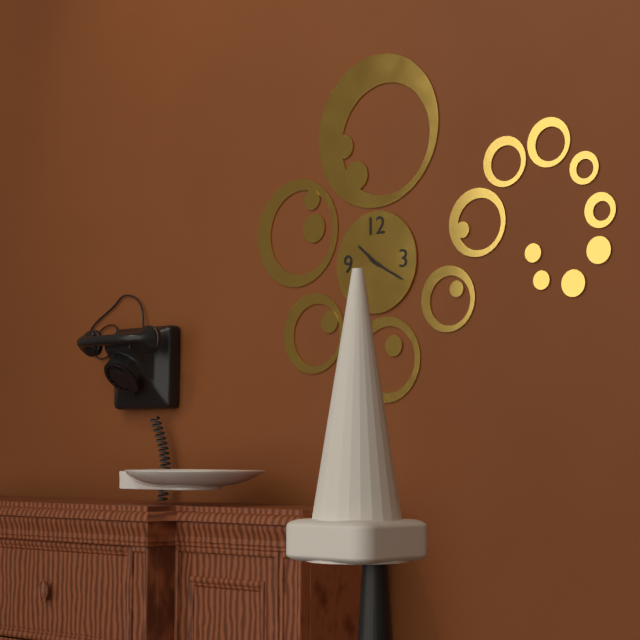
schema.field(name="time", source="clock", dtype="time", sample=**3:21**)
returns **10:20**
